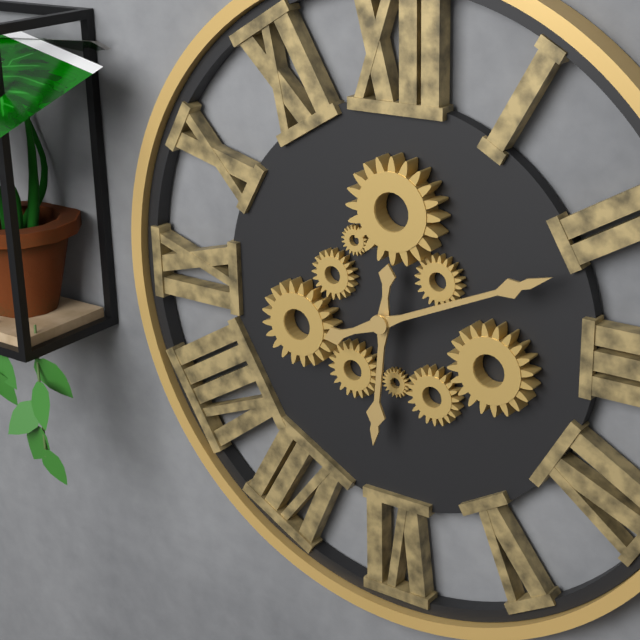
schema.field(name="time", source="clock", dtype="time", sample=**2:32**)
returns **6:11**
